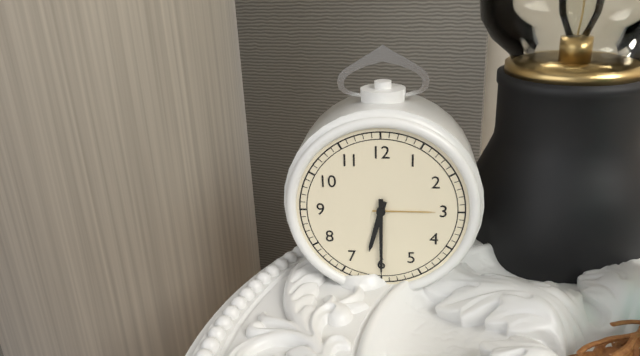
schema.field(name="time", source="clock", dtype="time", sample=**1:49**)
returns **6:30**
